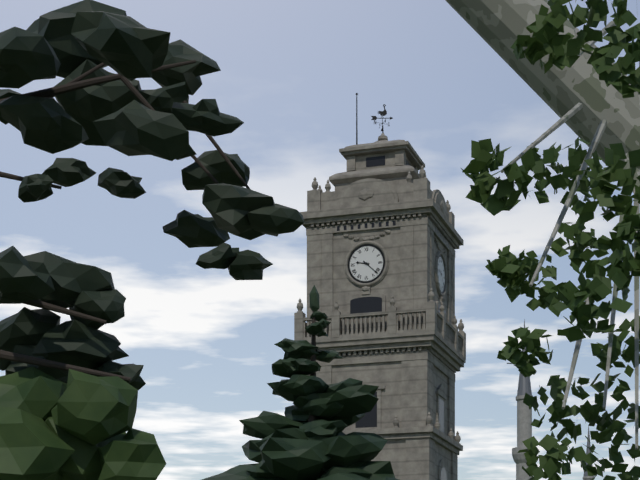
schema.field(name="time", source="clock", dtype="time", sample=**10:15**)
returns **9:22**
